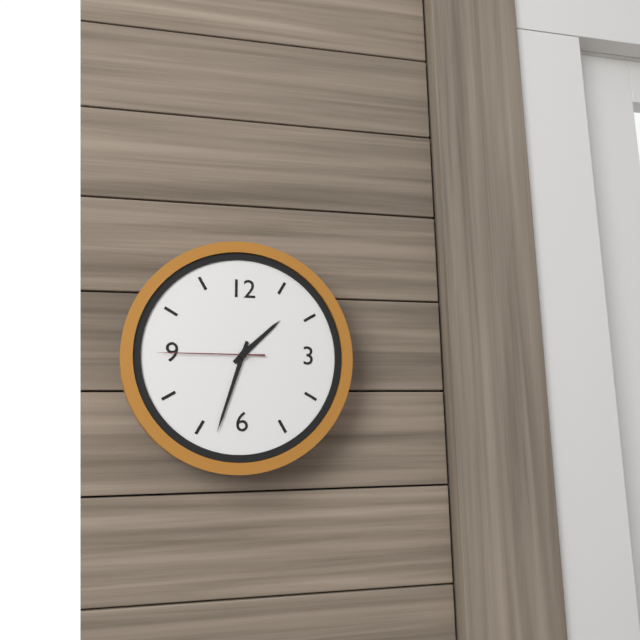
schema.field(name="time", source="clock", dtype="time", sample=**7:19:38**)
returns **1:33:45**
